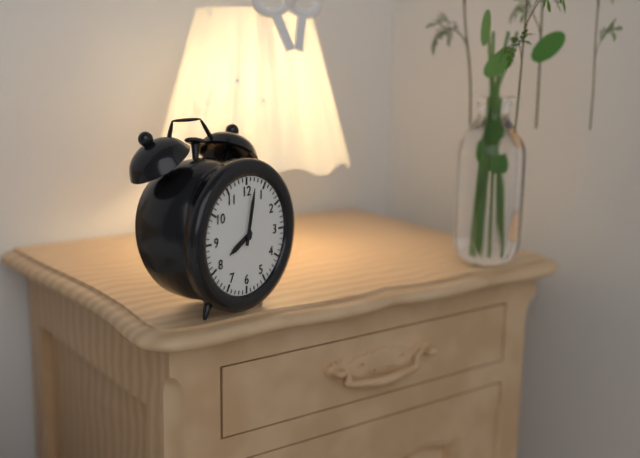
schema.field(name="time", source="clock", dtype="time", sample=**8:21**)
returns **8:02**
